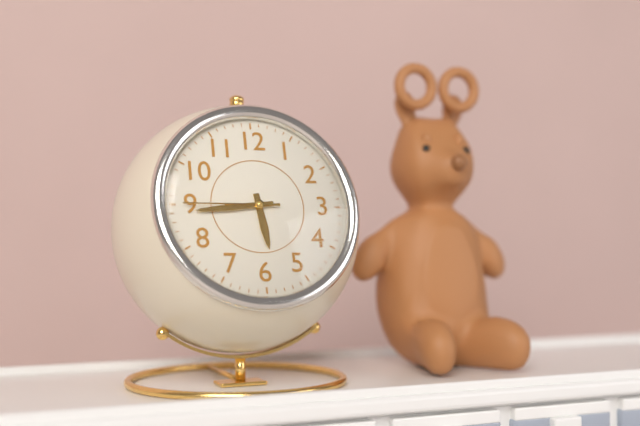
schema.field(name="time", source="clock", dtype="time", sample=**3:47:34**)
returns **5:44:45**
